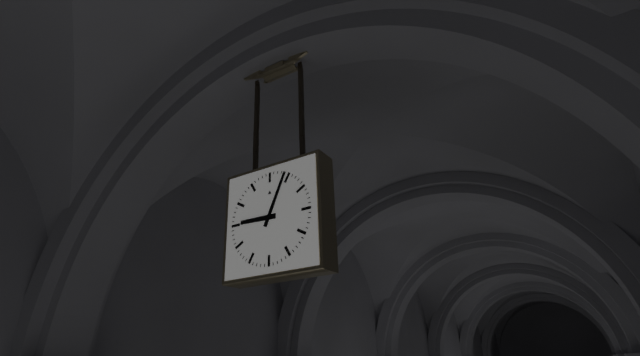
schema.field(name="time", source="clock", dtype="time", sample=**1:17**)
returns **9:04**
